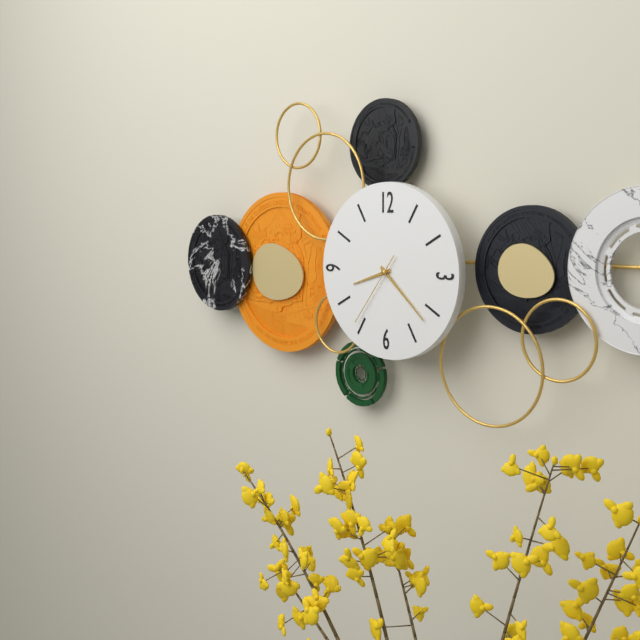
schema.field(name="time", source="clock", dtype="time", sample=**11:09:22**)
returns **8:22:36**
